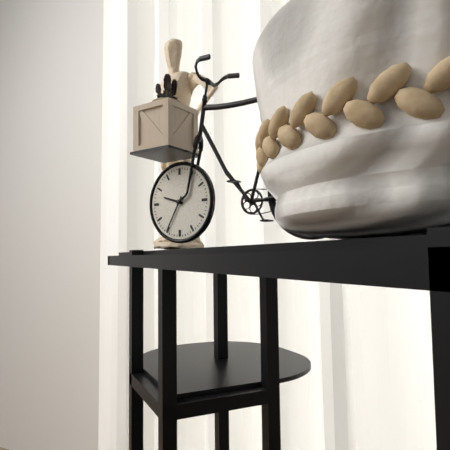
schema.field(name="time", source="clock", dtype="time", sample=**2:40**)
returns **9:35**
